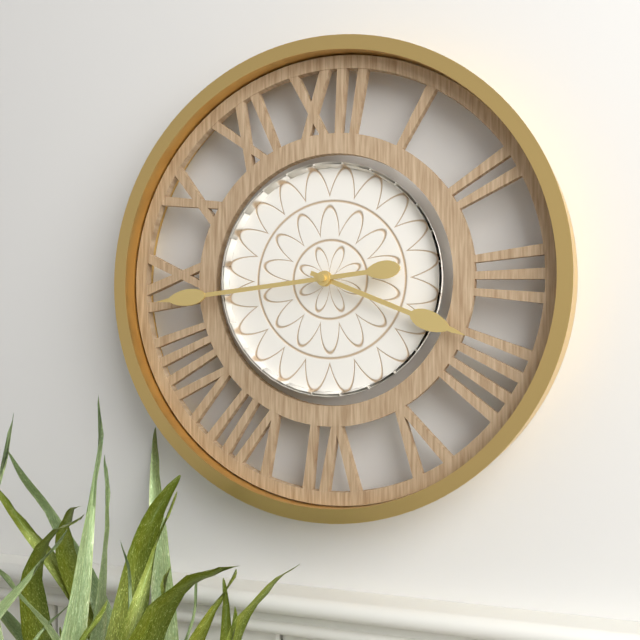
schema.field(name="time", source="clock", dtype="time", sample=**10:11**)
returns **3:44**
